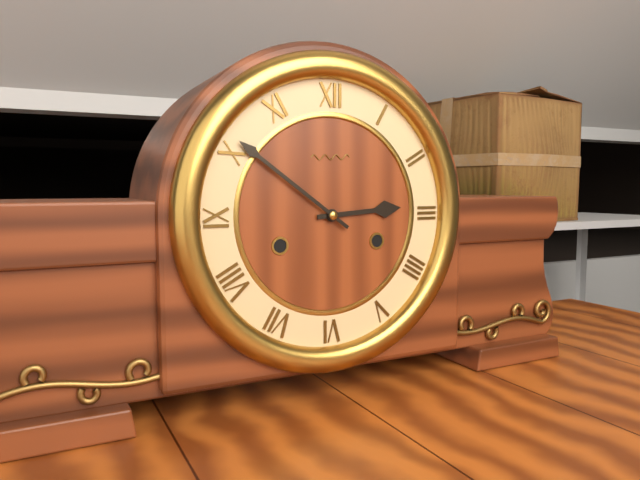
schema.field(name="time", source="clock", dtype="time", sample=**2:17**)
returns **2:51**
